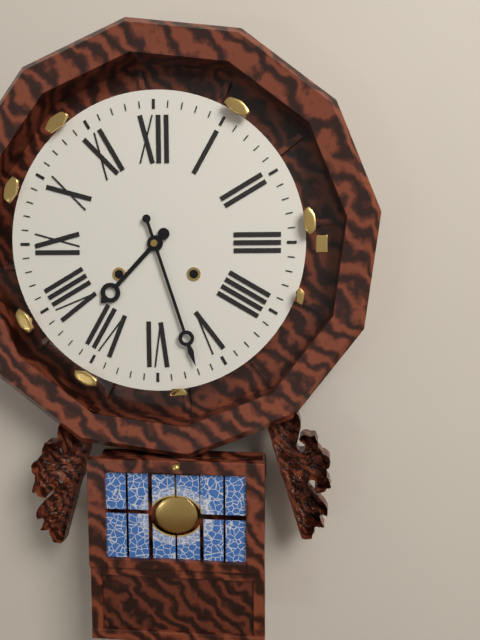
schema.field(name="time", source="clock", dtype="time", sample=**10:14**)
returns **7:27**
